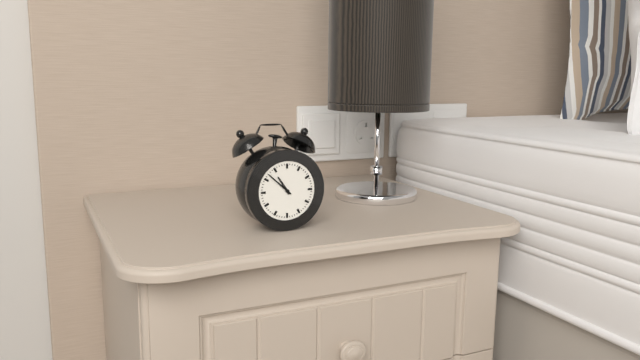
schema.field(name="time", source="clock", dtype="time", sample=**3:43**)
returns **10:52**
